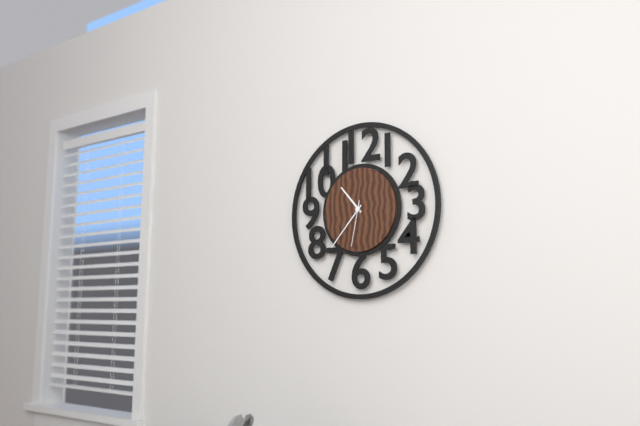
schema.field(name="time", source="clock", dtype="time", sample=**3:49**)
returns **10:37**
